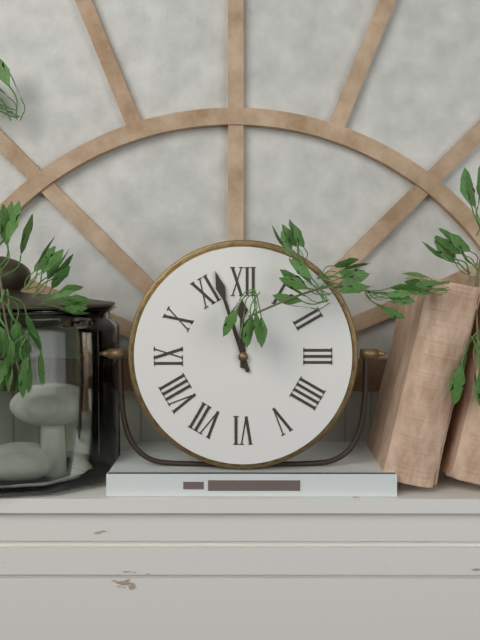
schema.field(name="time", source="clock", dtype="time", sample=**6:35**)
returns **11:57**
